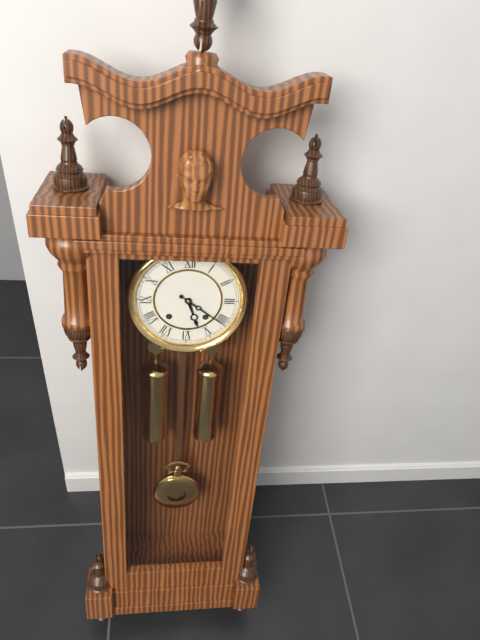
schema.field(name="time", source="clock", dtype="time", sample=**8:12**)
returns **5:21**
